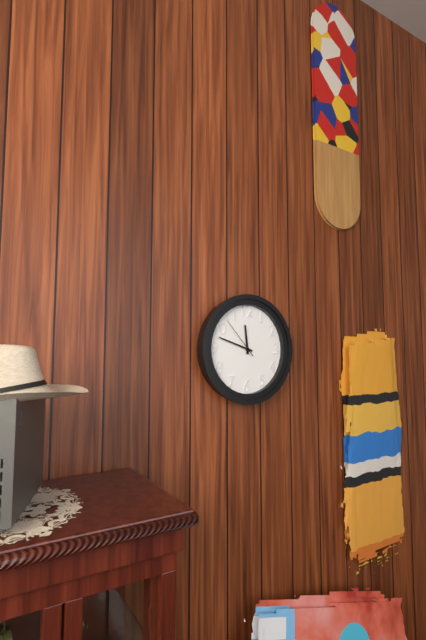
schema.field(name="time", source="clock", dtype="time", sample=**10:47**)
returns **11:48**
